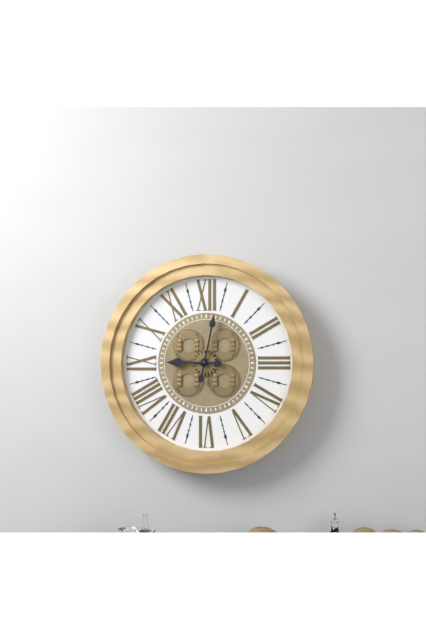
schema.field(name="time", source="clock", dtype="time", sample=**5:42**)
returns **9:02**
